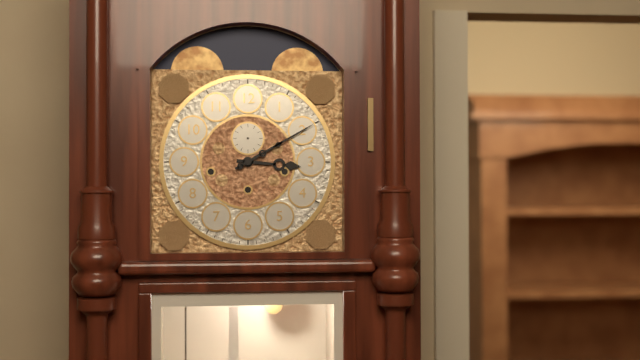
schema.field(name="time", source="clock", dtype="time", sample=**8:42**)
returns **3:10**
